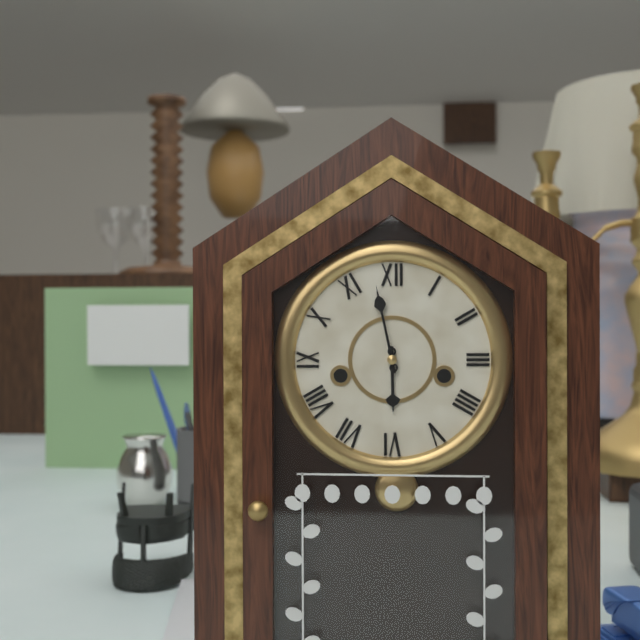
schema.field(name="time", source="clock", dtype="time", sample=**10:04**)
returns **5:58**
